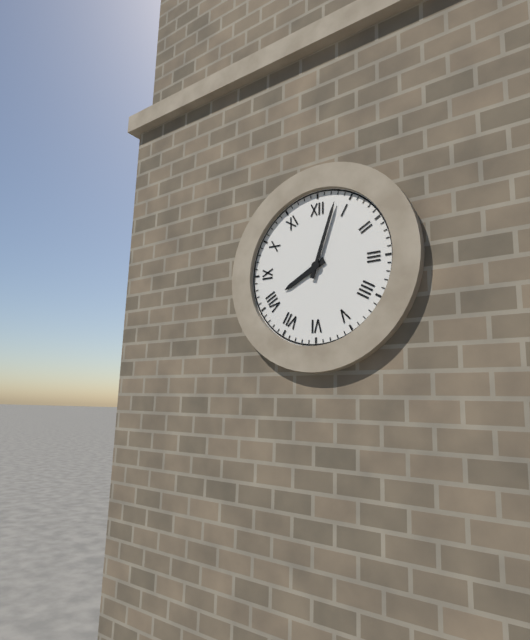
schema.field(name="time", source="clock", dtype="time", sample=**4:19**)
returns **8:03**
